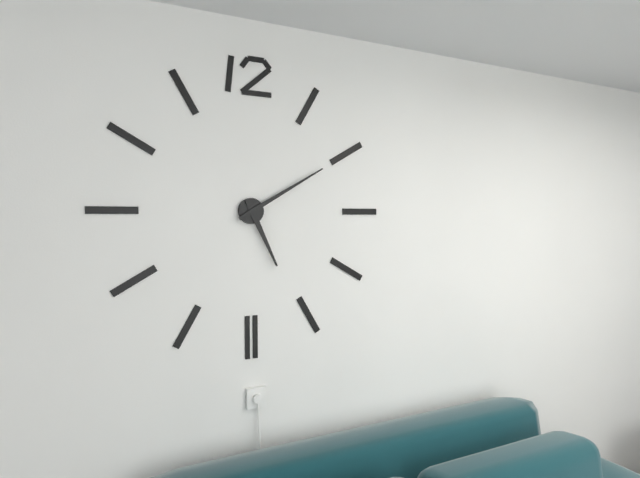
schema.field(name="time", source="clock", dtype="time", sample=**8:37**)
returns **5:10**
